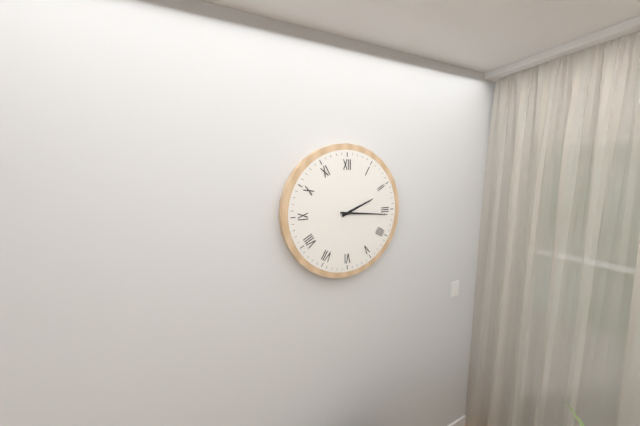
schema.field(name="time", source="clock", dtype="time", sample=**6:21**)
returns **2:16**
